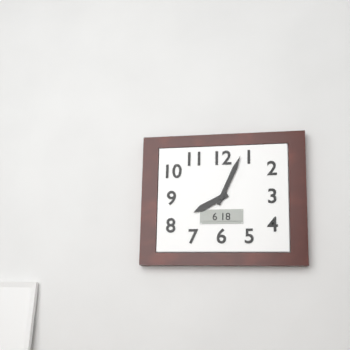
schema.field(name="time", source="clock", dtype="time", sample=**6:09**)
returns **8:04**
